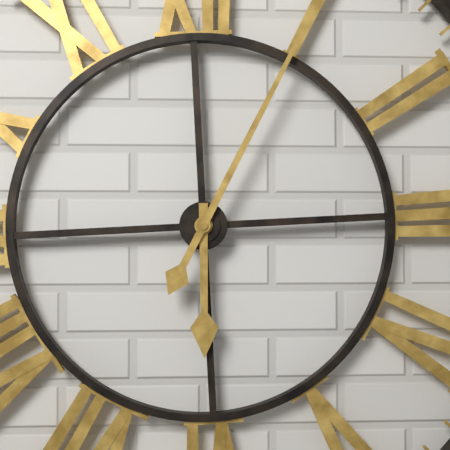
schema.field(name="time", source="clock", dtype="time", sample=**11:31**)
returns **6:05**
